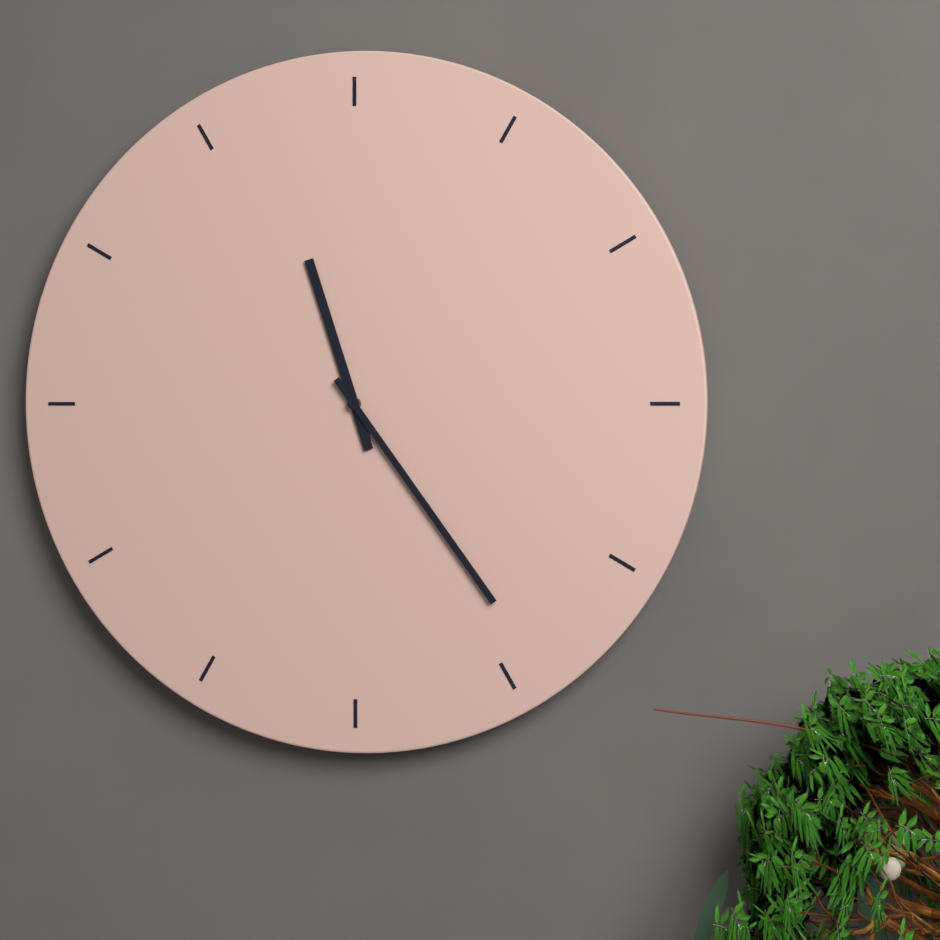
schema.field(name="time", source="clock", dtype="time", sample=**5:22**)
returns **11:24**
